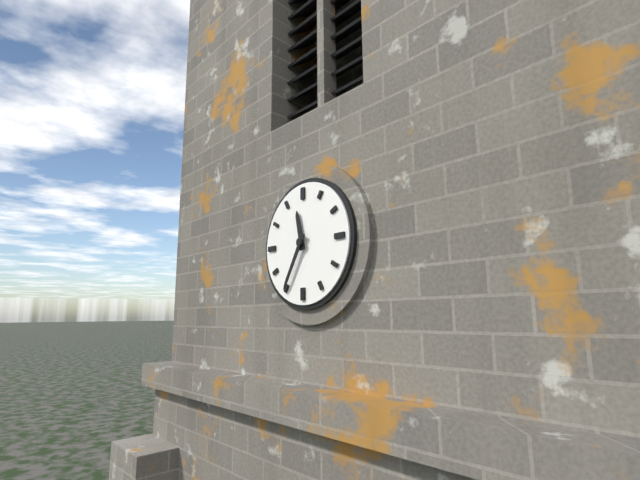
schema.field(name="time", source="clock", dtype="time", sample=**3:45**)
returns **11:35**
